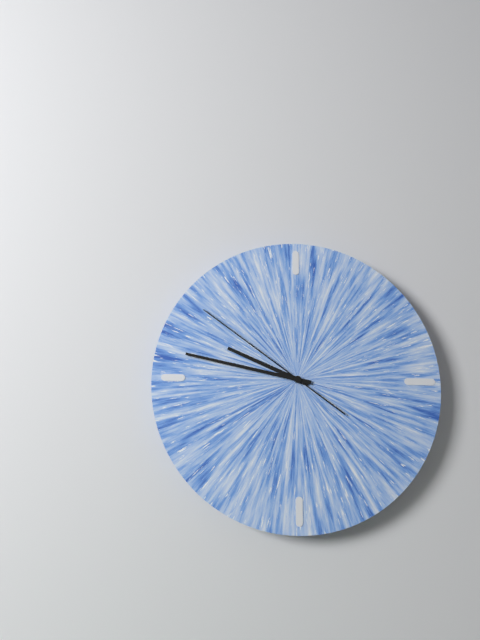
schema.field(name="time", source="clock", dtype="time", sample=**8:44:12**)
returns **9:47:51**
